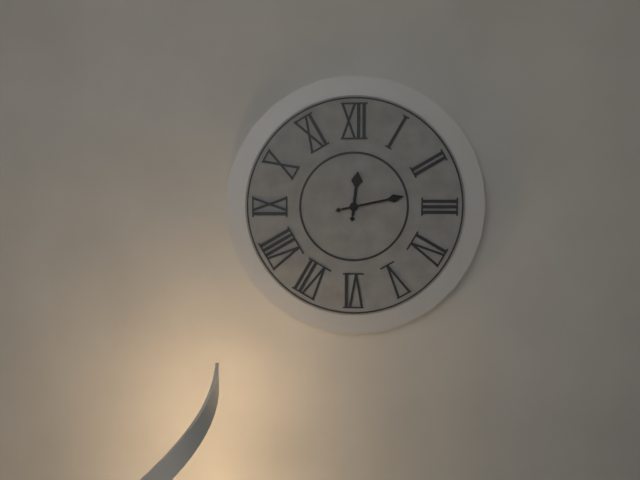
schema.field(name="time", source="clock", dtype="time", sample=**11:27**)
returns **12:13**
